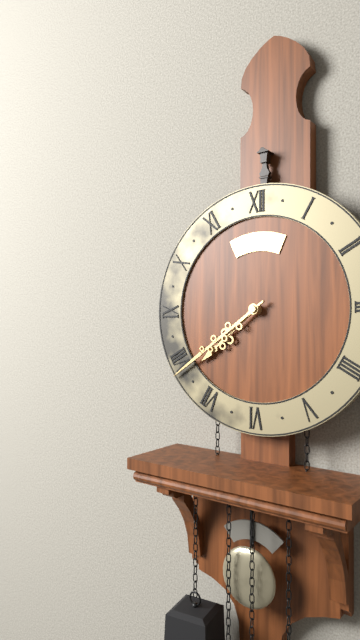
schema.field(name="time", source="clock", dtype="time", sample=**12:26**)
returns **7:39**
